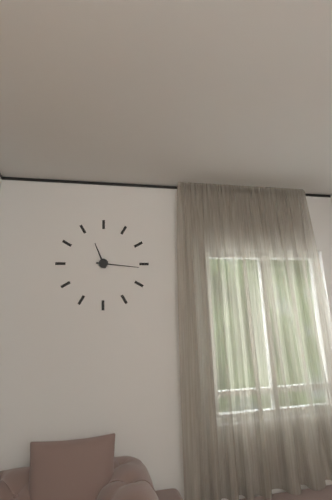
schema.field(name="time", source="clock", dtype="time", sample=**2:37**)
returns **11:16**
